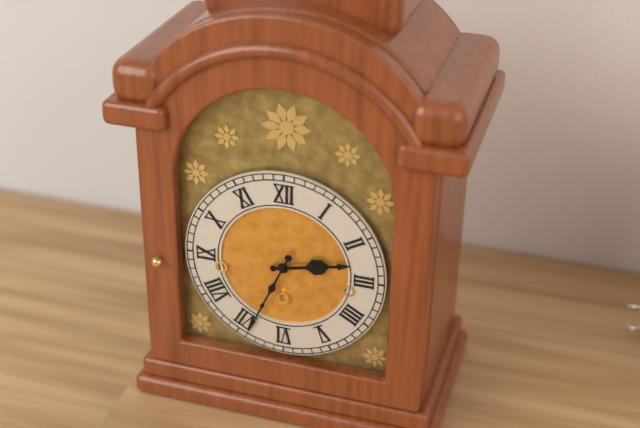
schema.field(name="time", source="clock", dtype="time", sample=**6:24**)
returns **2:34**
